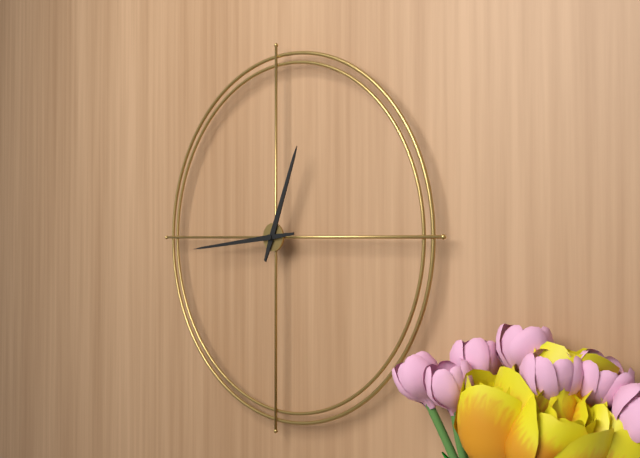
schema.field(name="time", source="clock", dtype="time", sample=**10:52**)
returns **12:44**
